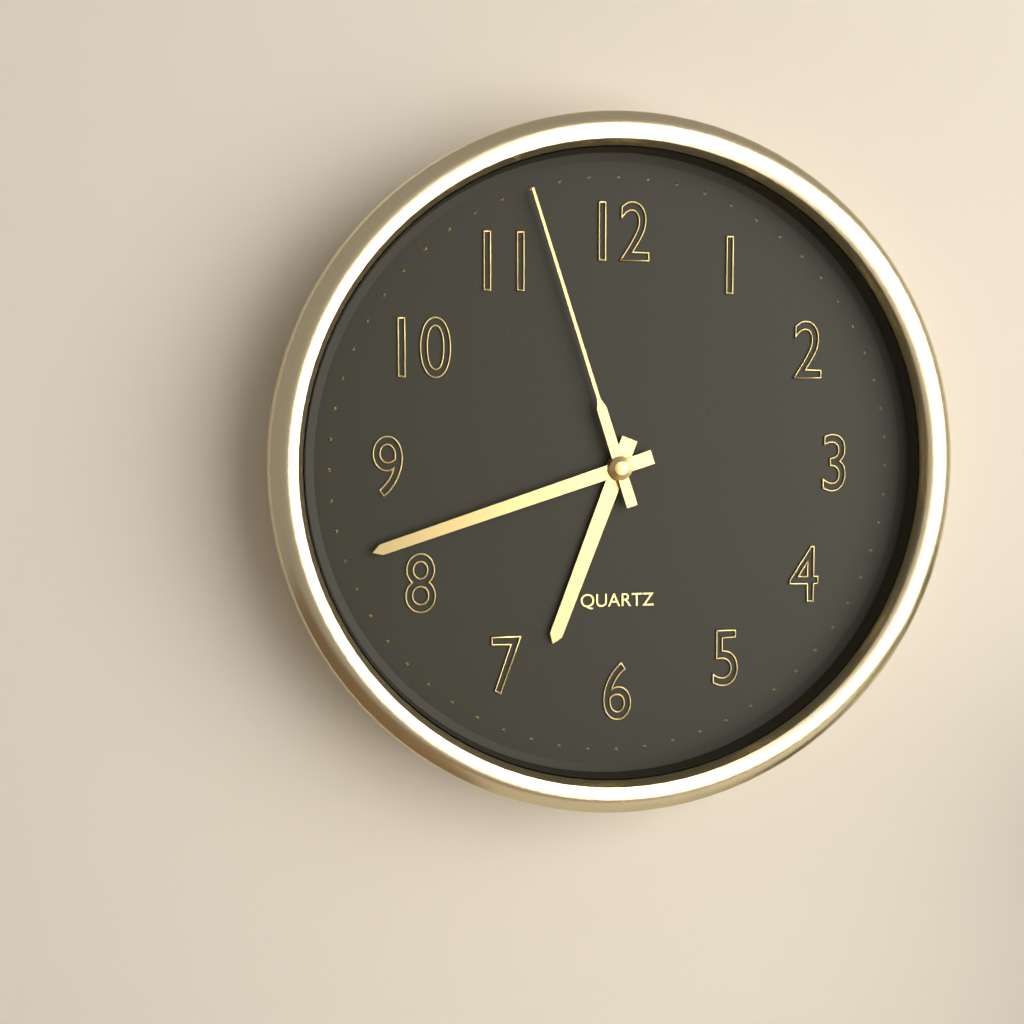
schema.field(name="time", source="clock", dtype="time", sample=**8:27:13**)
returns **6:42:57**
